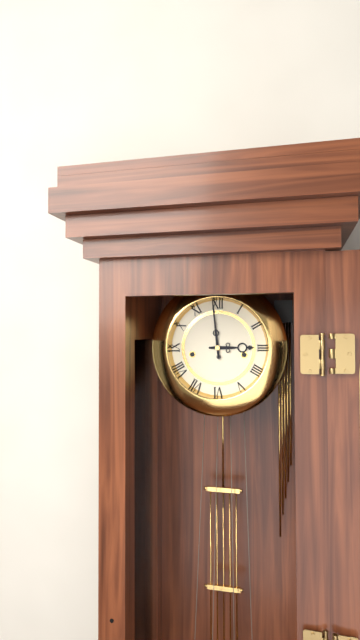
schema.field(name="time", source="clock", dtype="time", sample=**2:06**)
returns **2:59**
